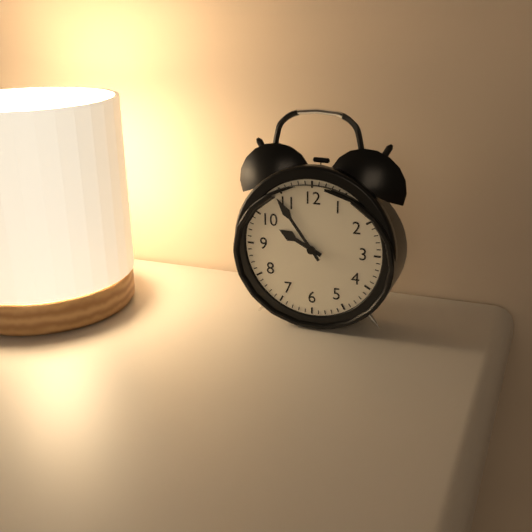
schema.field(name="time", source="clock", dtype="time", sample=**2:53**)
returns **9:54**
